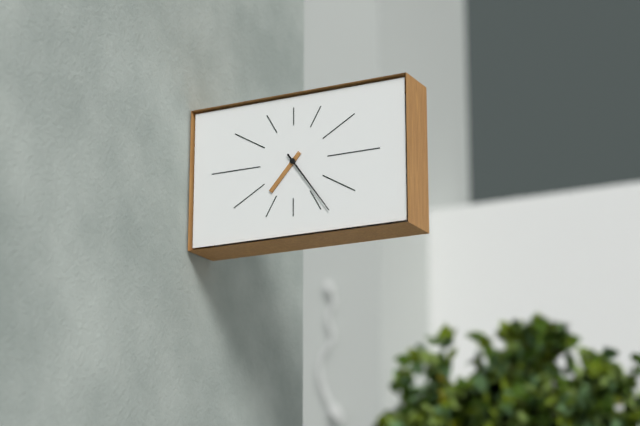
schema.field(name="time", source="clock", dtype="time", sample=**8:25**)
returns **7:24**
